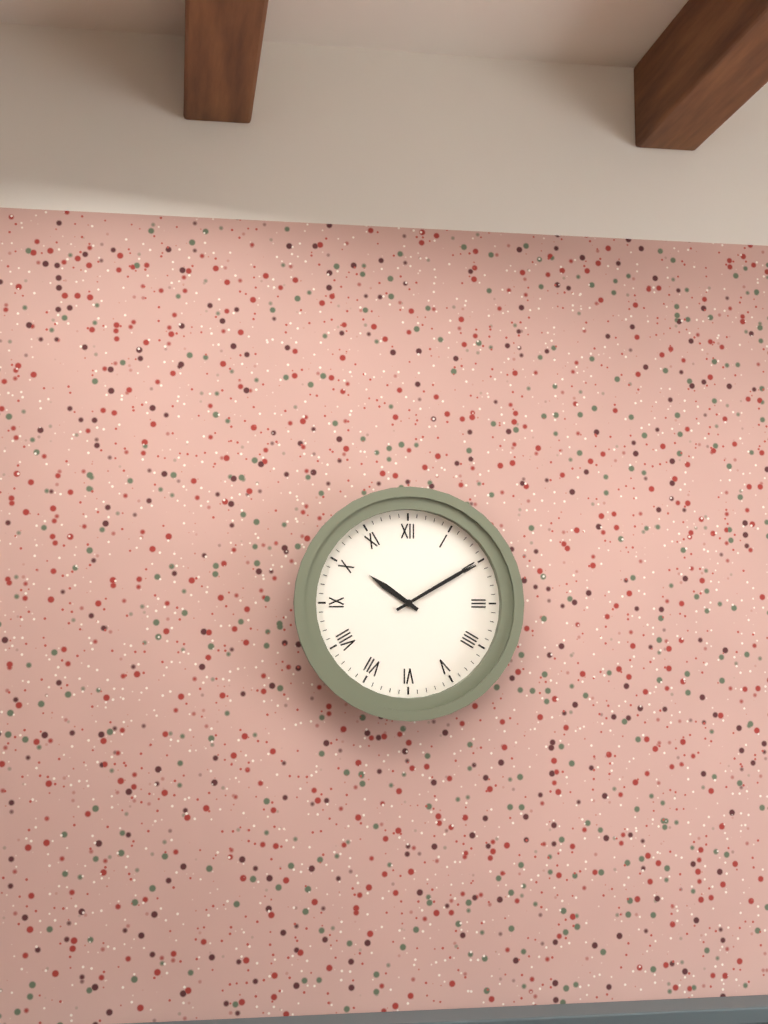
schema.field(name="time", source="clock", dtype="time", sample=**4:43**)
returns **10:10**
